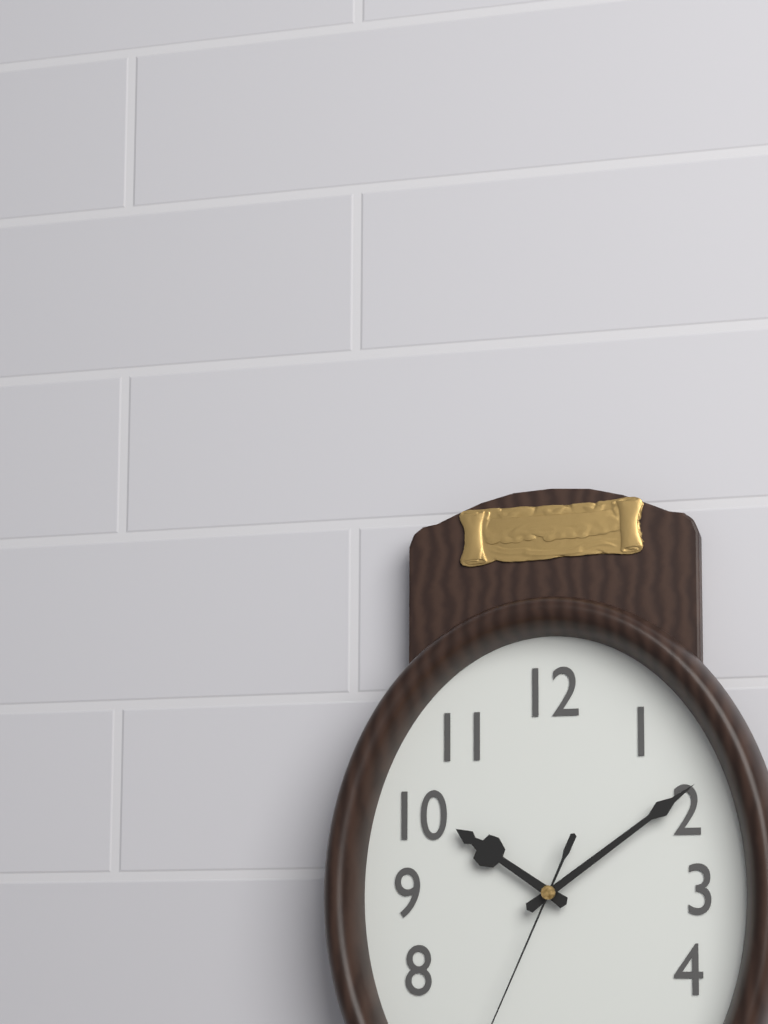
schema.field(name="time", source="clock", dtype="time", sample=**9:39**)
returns **10:09**
